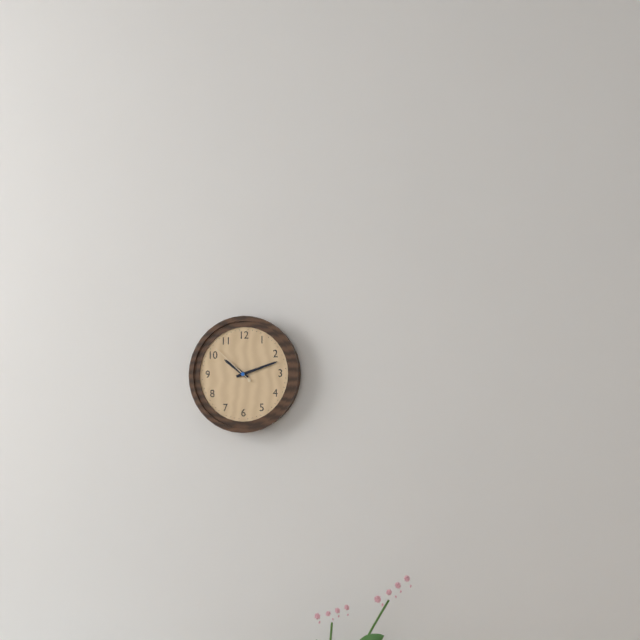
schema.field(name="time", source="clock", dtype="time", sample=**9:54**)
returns **10:12**
